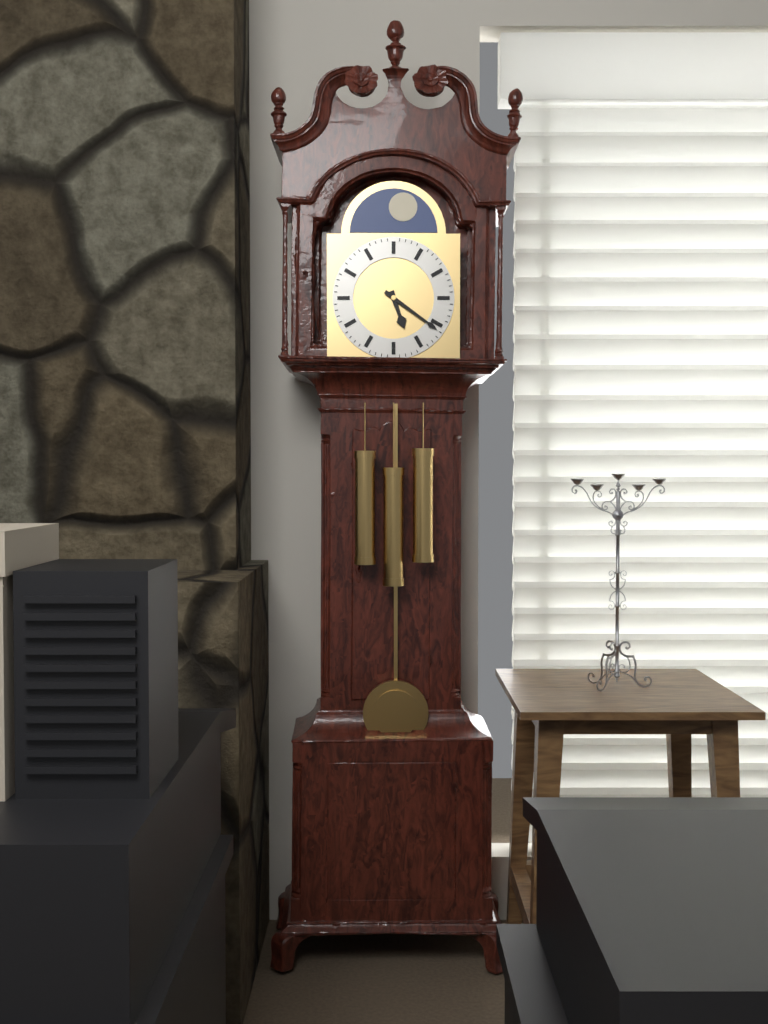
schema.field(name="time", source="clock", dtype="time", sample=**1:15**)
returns **5:21**
